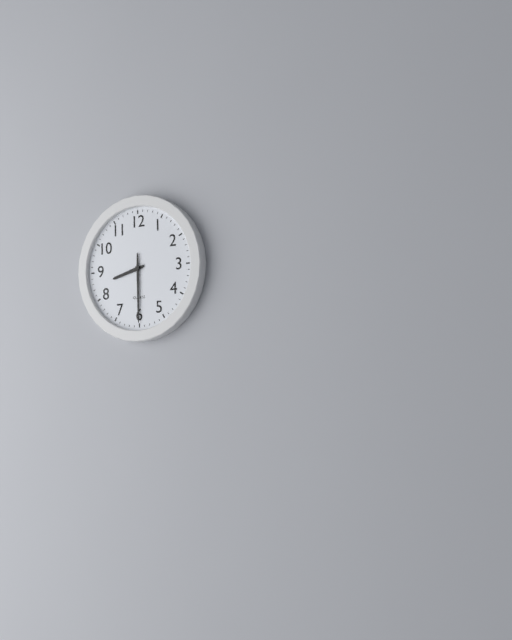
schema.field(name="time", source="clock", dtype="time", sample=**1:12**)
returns **8:30**
